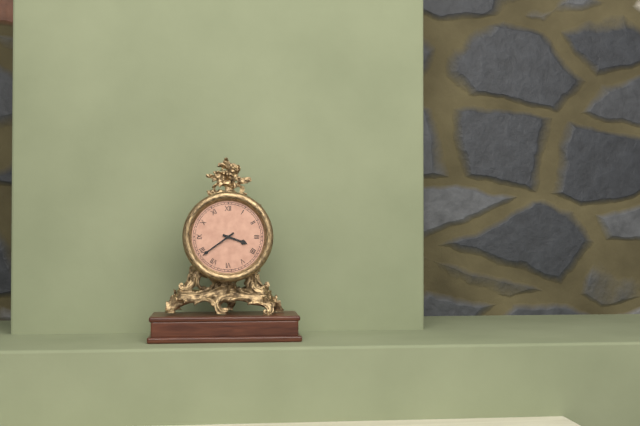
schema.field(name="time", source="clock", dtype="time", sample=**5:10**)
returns **3:39**
